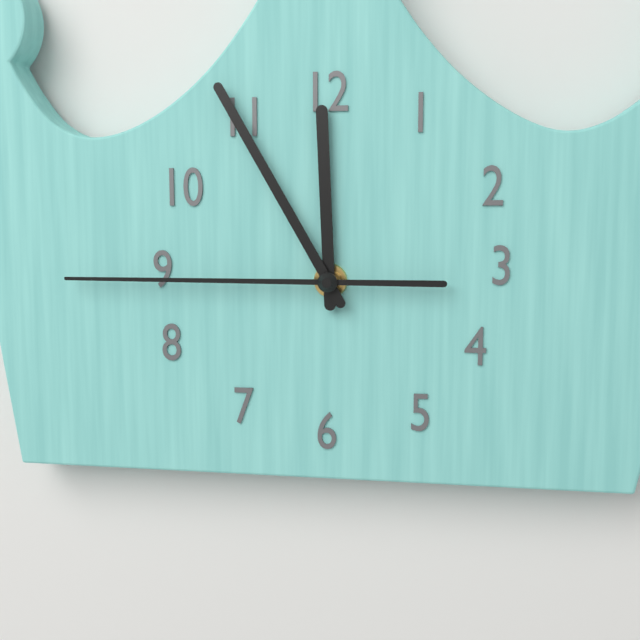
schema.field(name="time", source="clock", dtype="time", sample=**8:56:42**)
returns **11:55:45**
